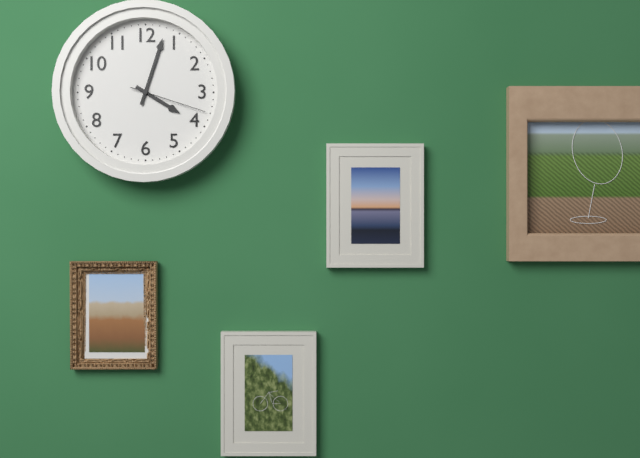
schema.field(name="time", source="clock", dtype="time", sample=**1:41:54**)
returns **4:03:18**
